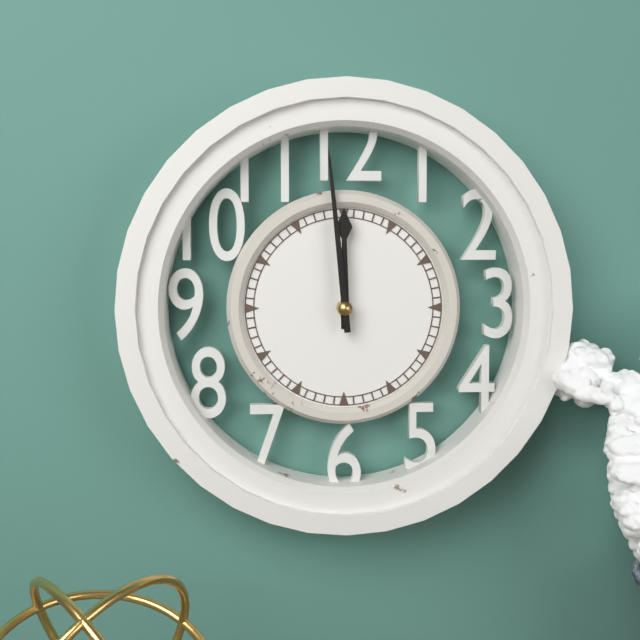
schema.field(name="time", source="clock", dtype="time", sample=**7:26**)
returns **11:59**
